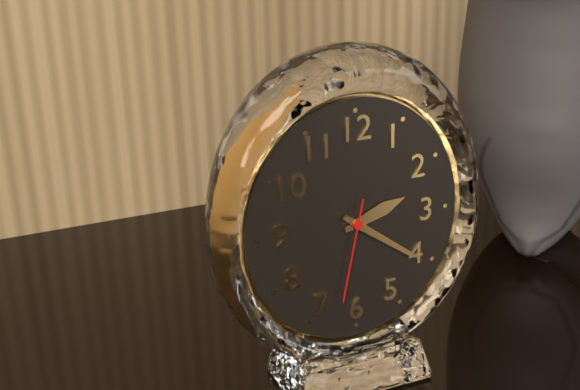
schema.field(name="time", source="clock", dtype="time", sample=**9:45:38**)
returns **2:21:32**
